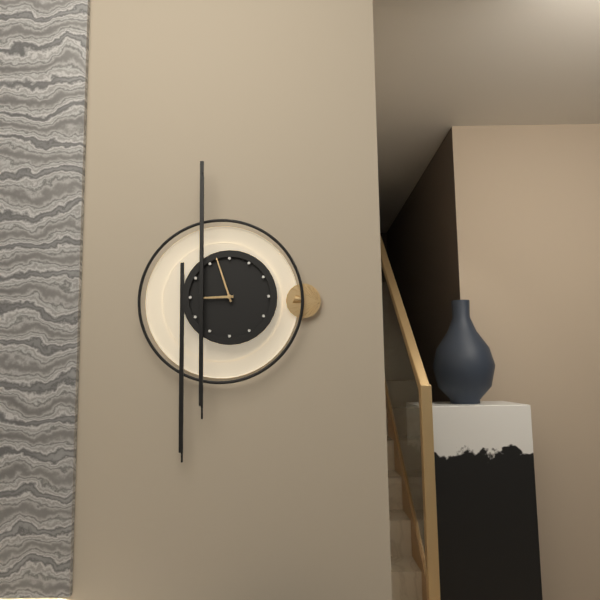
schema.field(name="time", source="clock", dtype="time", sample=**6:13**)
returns **8:57**
